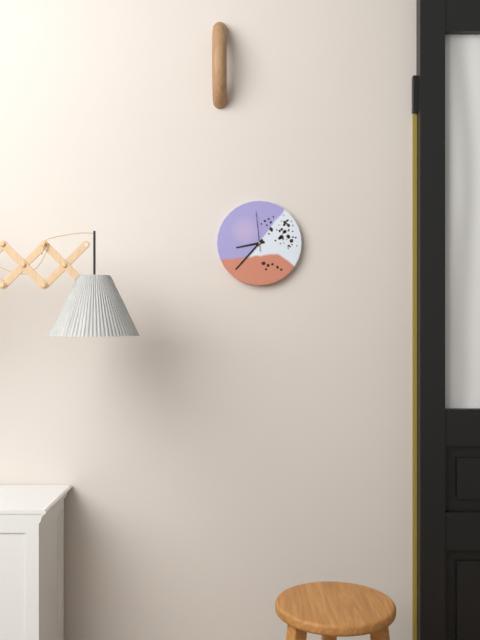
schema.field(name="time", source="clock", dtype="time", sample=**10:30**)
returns **8:37**
